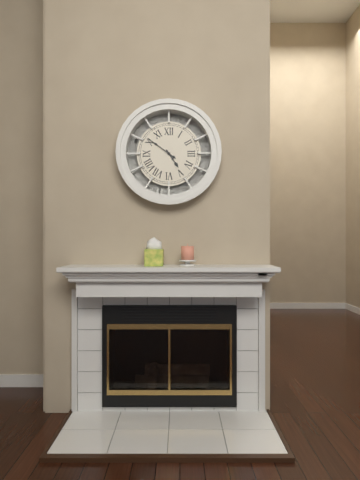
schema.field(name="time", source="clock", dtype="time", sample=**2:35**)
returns **4:51**
